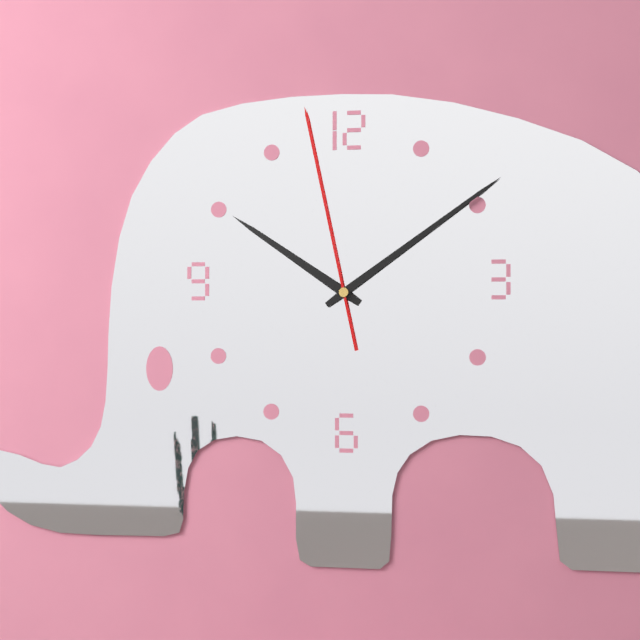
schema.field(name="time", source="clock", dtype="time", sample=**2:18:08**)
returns **10:09:58**
